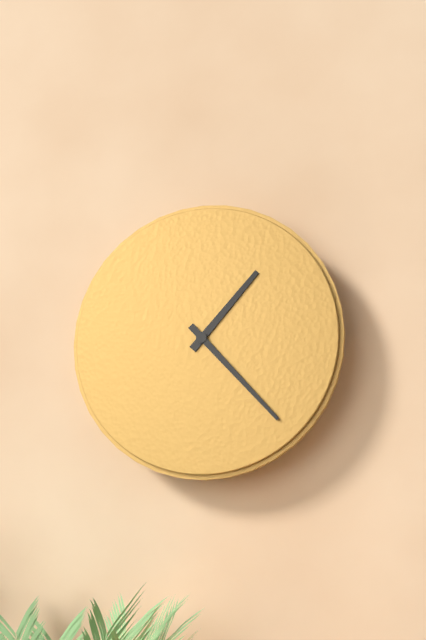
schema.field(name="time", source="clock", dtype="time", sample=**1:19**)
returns **1:23**
